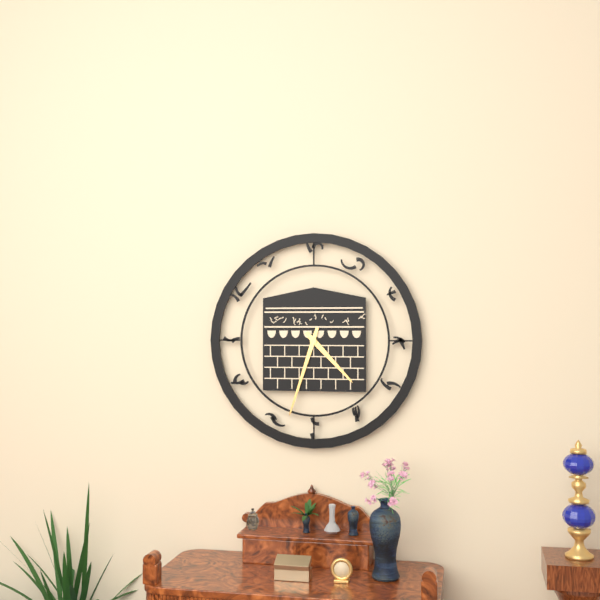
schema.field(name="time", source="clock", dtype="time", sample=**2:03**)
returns **4:33**
